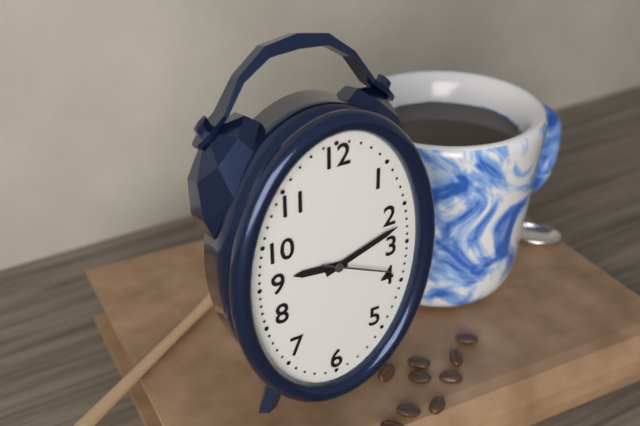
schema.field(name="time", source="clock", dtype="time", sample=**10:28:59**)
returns **9:12:19**
